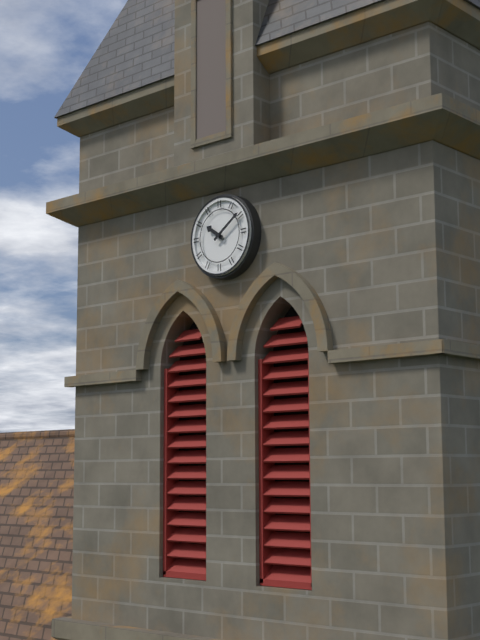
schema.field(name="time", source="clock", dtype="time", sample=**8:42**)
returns **10:09**
